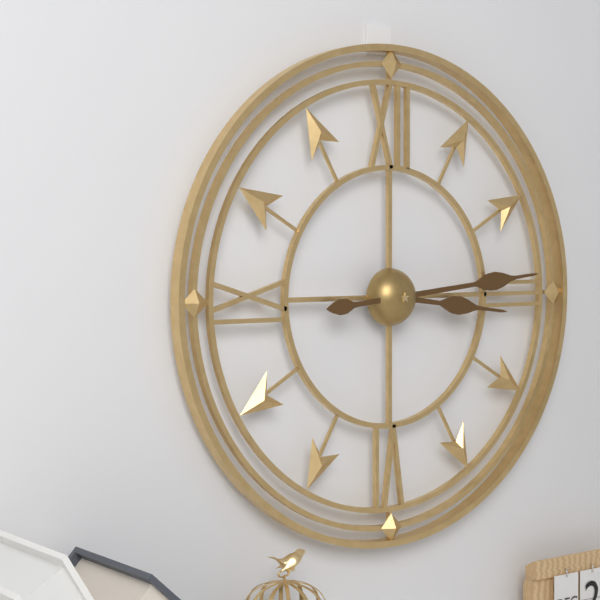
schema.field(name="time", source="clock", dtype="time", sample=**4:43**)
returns **3:14**
